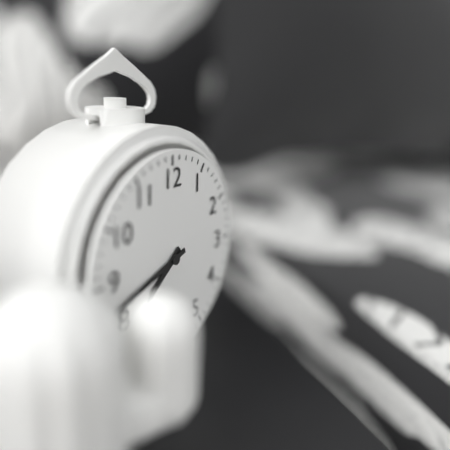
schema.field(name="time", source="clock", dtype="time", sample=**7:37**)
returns **7:42**
